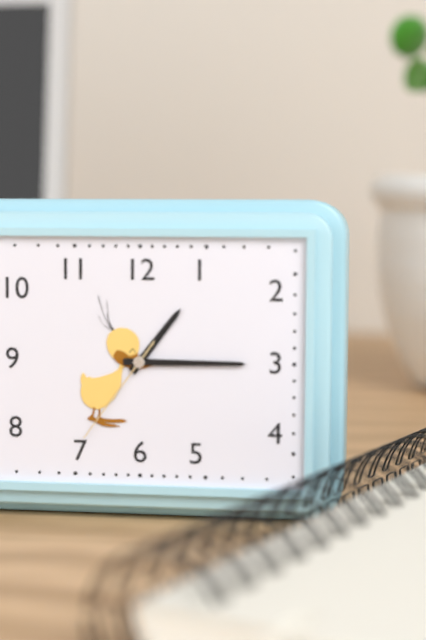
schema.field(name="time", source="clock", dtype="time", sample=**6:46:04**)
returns **1:15:36**
